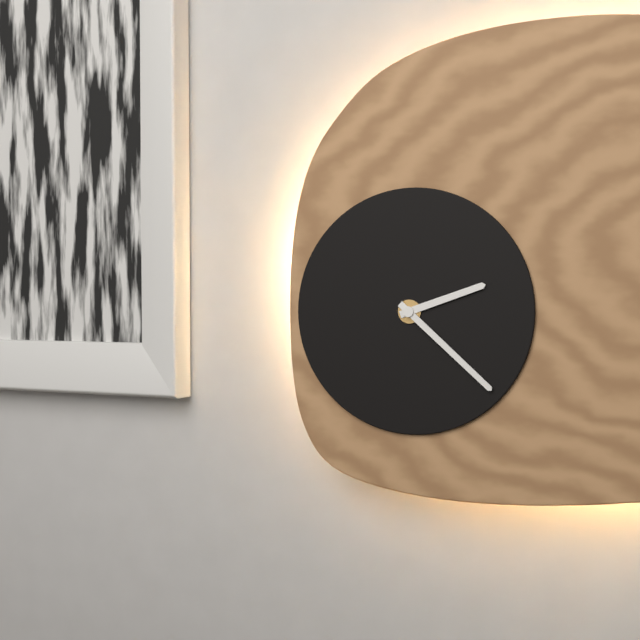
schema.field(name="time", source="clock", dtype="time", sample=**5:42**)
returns **2:22**
